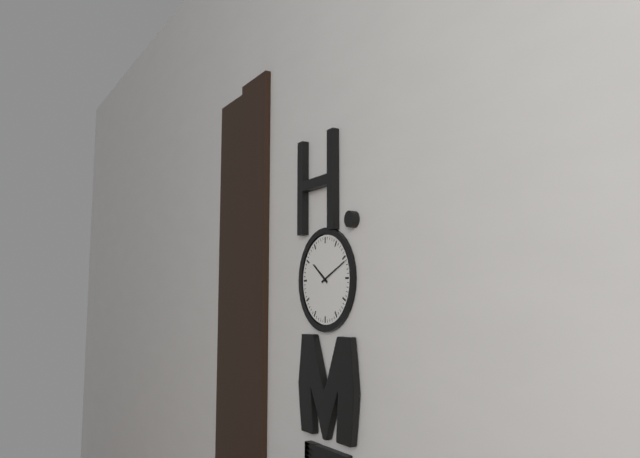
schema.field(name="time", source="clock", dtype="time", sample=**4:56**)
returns **10:11**
